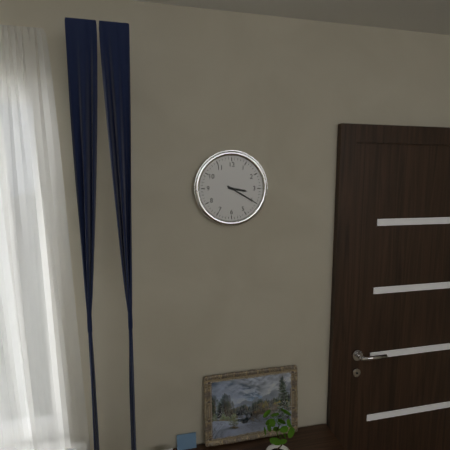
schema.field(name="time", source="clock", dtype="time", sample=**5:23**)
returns **3:20**
